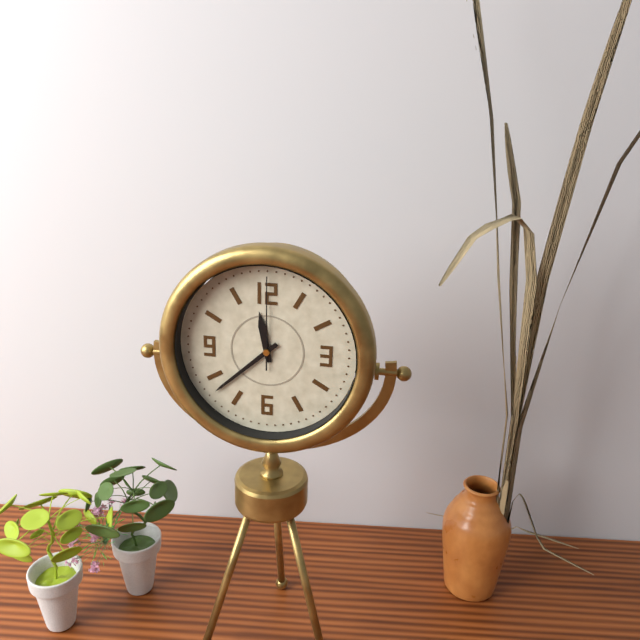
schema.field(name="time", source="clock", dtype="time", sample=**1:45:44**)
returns **11:38:00**
